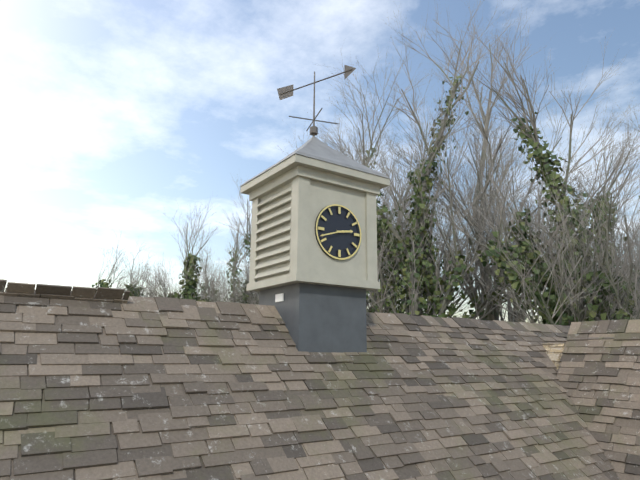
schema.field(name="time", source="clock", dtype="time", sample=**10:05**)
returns **2:42**
